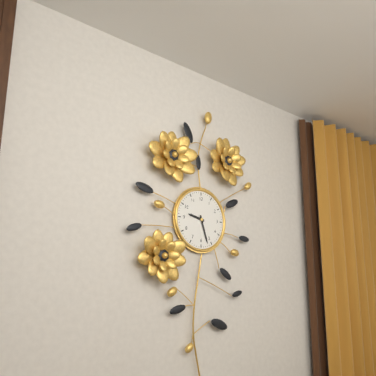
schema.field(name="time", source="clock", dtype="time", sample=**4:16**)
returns **9:27**
